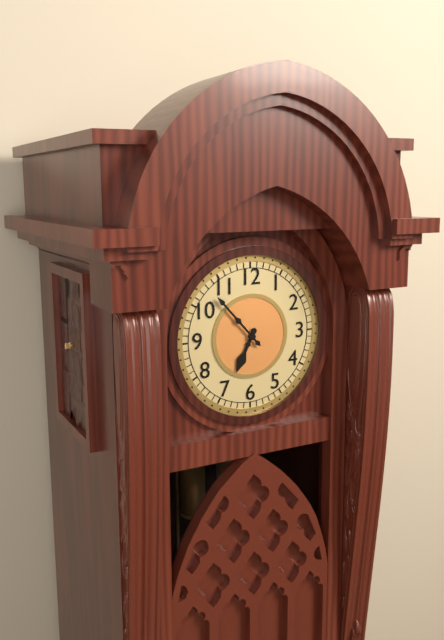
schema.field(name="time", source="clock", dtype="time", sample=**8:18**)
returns **6:53**
